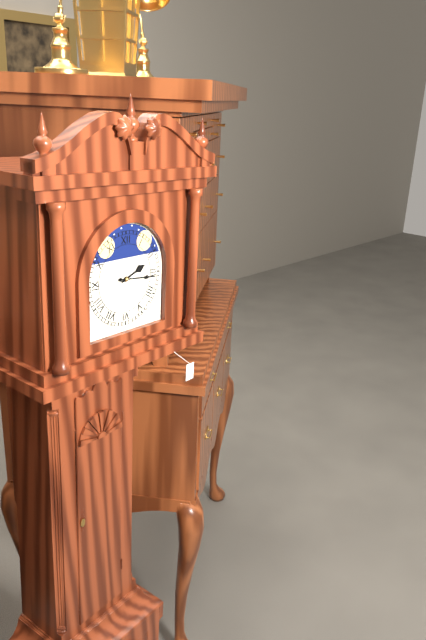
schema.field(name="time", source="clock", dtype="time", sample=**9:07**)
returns **2:16**
